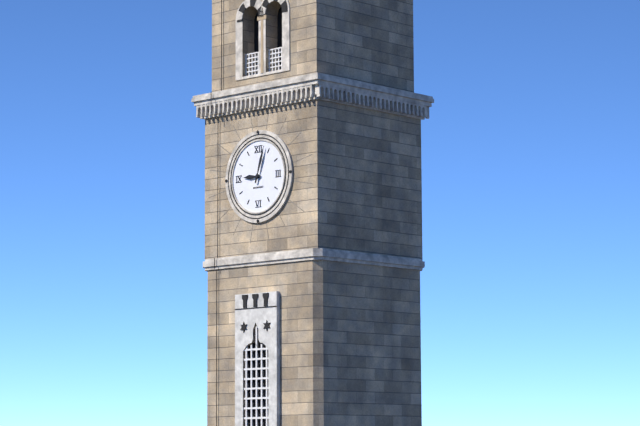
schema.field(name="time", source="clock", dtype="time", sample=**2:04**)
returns **9:03**
